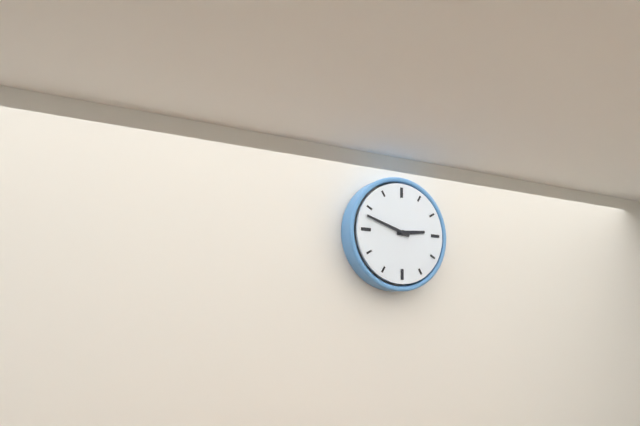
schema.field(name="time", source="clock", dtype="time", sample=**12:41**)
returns **2:48**
